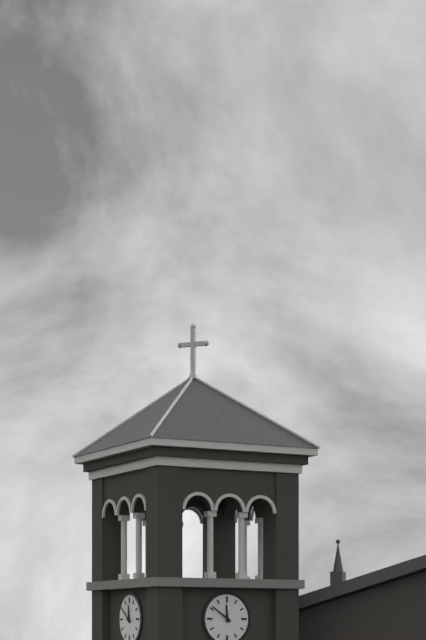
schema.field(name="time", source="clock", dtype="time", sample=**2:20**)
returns **11:51**
